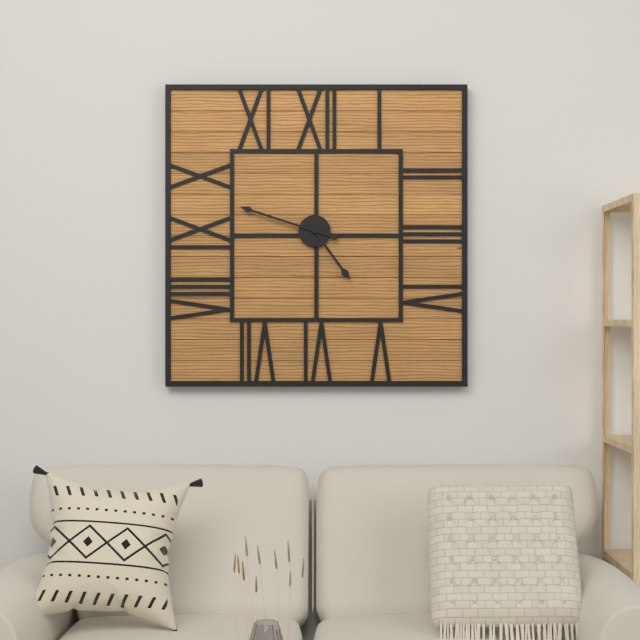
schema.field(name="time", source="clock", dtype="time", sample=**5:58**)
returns **4:48**
